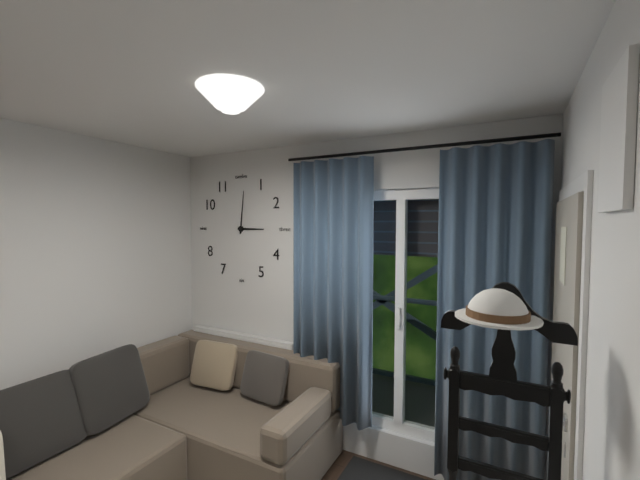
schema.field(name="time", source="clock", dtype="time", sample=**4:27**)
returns **3:01**
